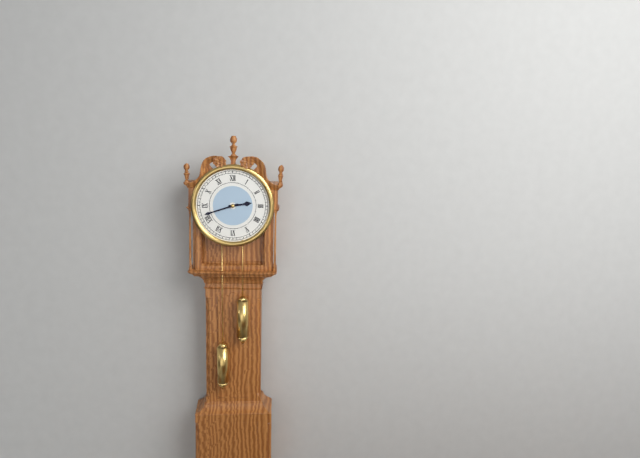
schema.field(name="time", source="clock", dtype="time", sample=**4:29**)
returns **2:42**
